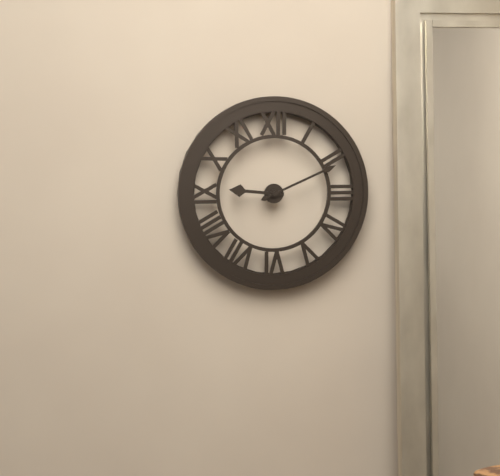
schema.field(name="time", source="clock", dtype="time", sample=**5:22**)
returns **9:11**
